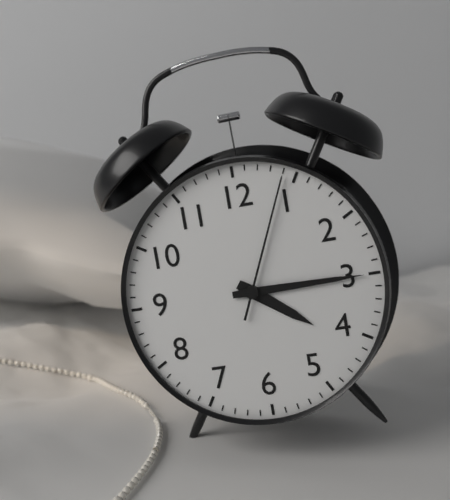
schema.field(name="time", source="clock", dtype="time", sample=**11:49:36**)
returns **4:15:04**
